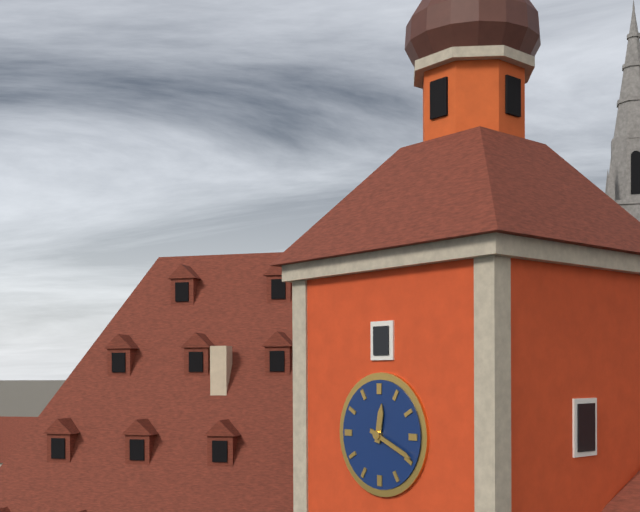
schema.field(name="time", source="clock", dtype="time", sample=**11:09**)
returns **12:19**
